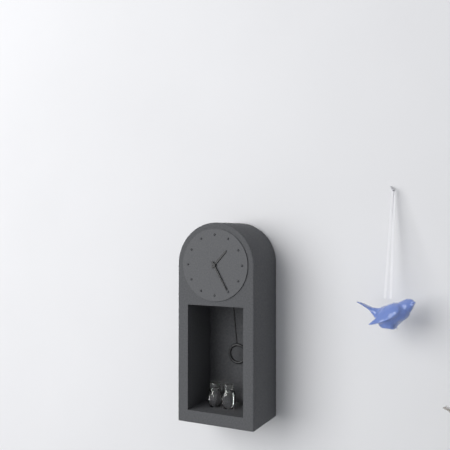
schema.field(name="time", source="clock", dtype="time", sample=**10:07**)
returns **1:25**
